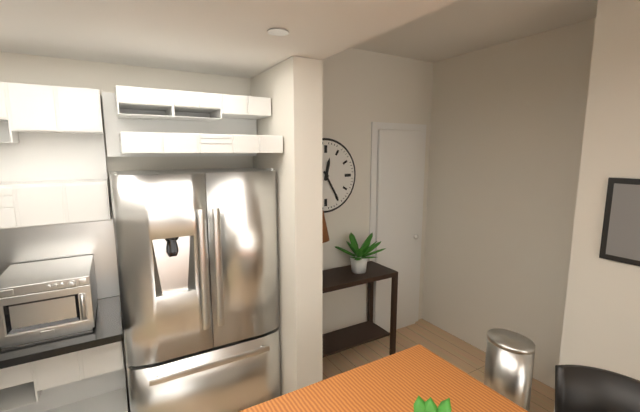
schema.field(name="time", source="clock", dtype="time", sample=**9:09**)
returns **12:25**
